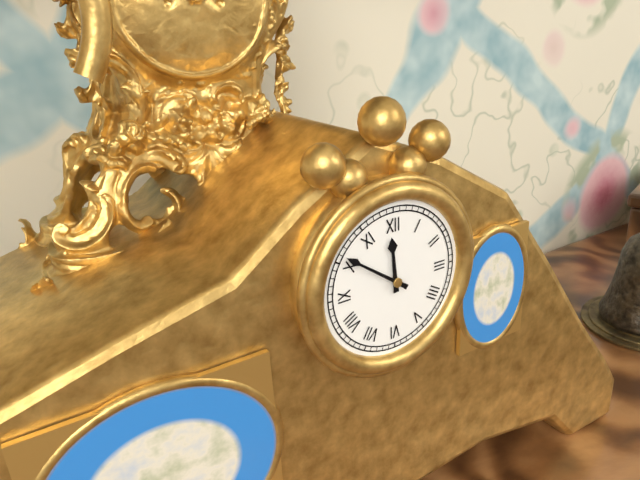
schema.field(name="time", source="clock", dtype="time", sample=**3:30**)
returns **11:51**
